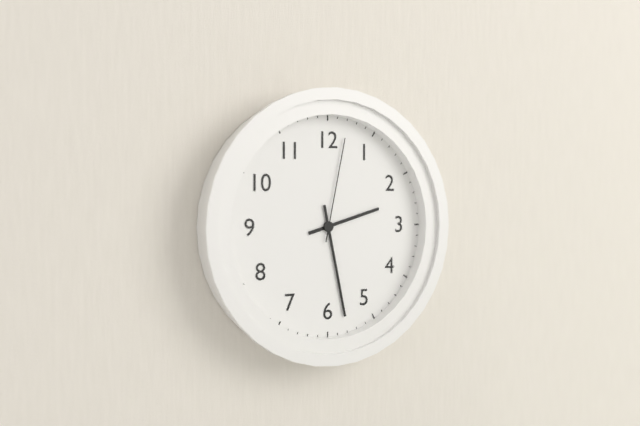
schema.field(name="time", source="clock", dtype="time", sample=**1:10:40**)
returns **2:28:02**
